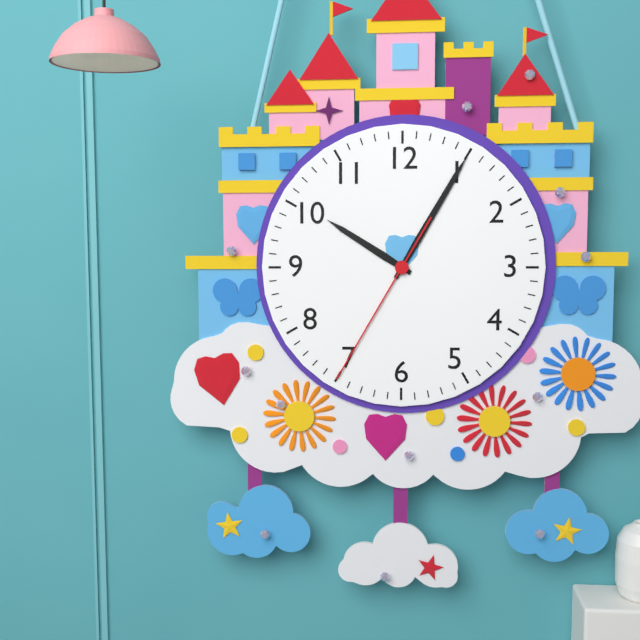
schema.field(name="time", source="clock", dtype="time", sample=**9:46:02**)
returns **10:05:35**
